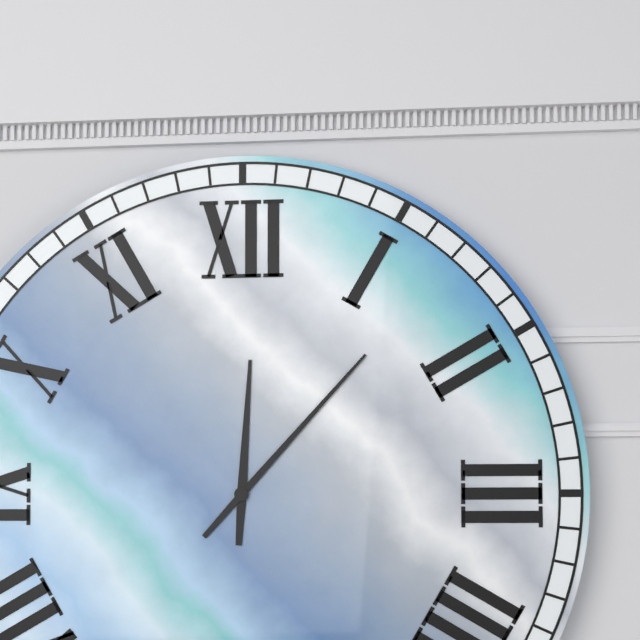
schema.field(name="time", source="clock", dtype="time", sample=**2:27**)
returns **12:07**
